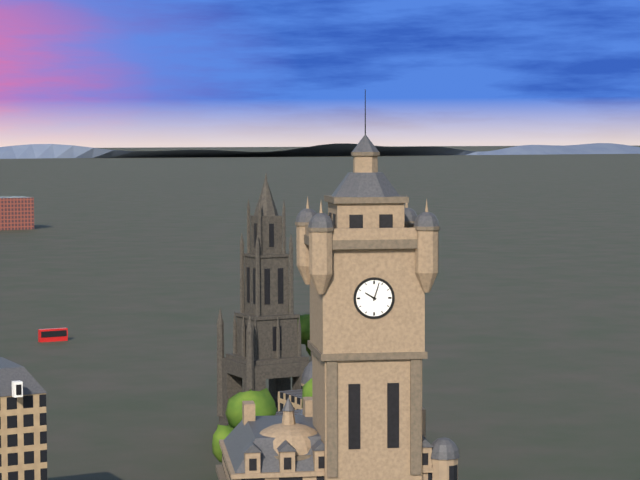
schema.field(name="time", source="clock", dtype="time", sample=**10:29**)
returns **10:03**
